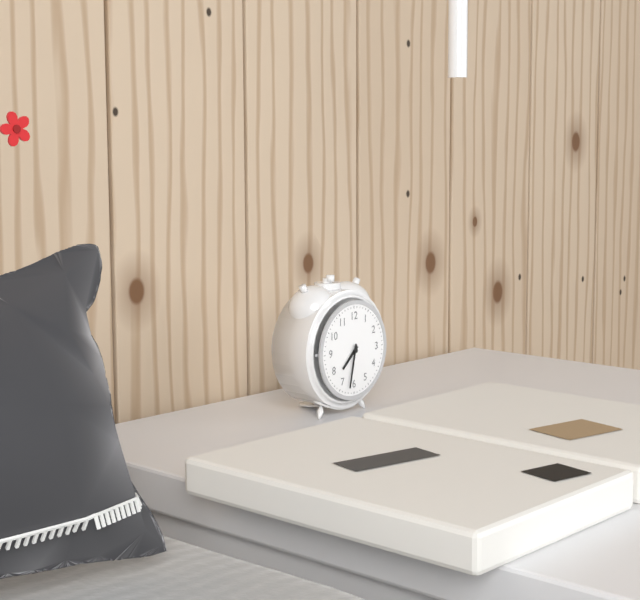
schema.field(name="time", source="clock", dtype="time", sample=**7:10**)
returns **7:32**
